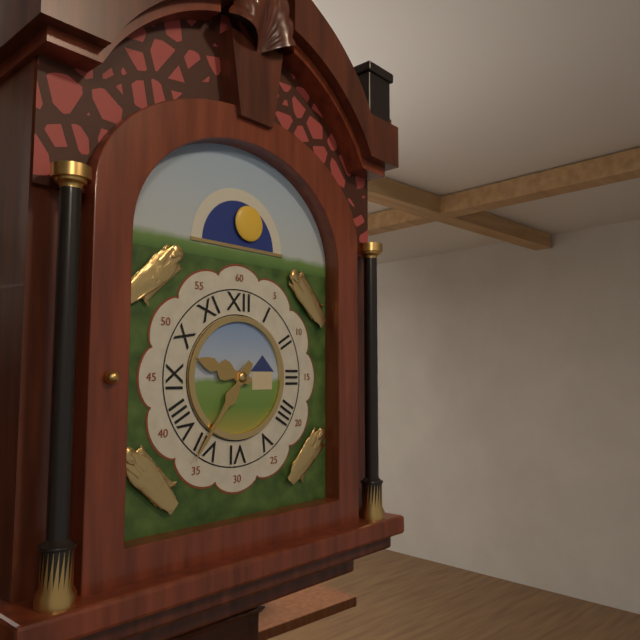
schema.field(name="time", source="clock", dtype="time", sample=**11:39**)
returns **9:36**
